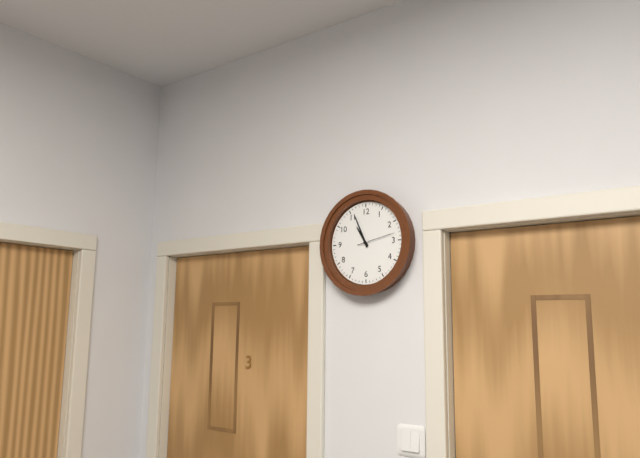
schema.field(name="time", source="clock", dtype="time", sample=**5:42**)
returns **10:56**
